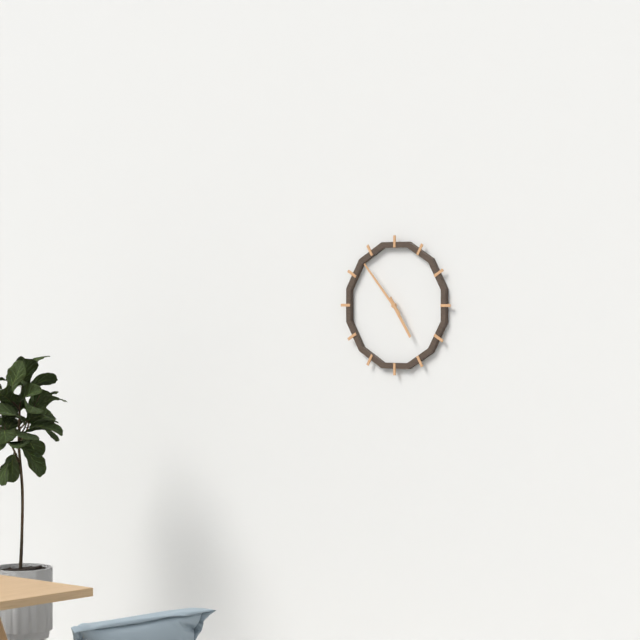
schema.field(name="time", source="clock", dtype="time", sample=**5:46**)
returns **4:53**
